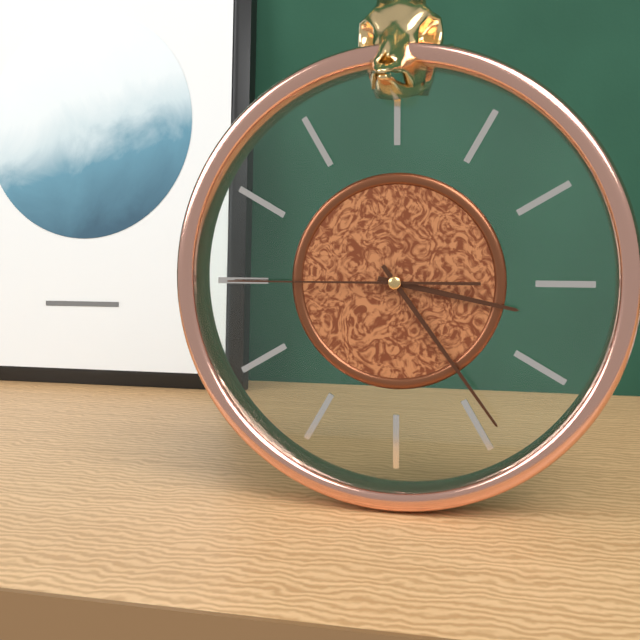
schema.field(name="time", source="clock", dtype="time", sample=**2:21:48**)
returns **3:24:45**
